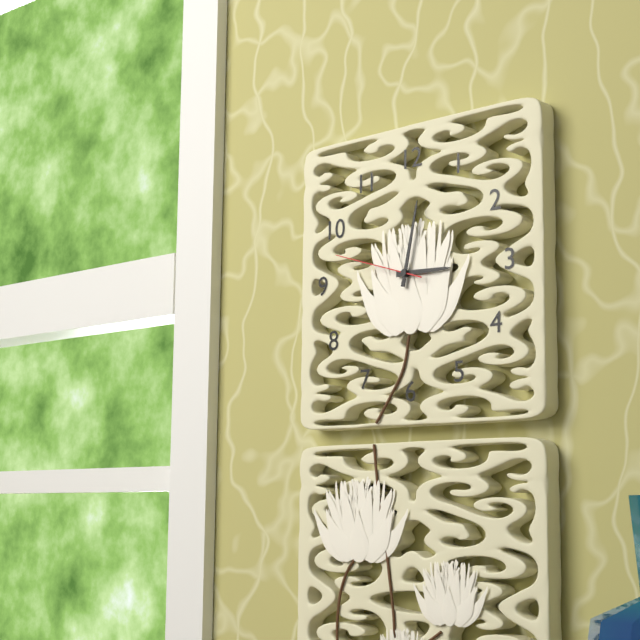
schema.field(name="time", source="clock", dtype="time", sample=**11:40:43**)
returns **3:02:48**
